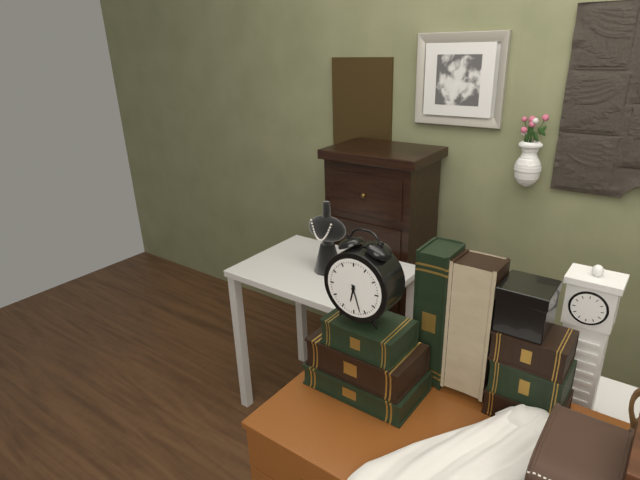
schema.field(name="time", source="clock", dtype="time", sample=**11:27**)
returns **6:27**
